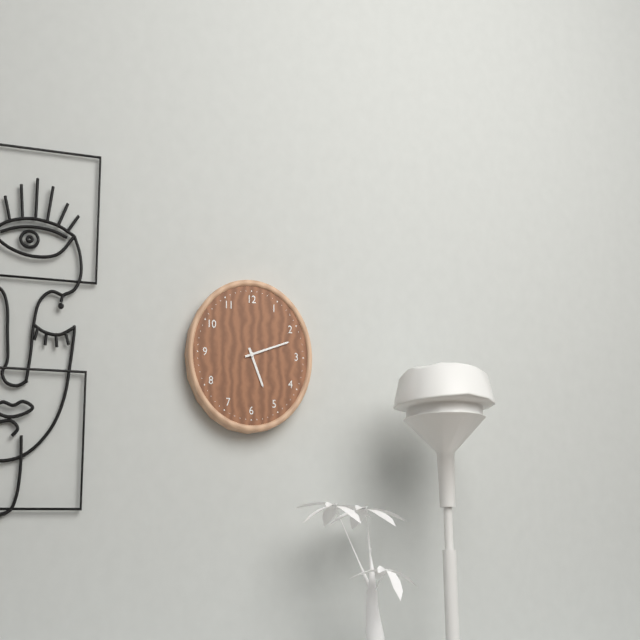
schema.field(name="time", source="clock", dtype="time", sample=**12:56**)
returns **5:12**
